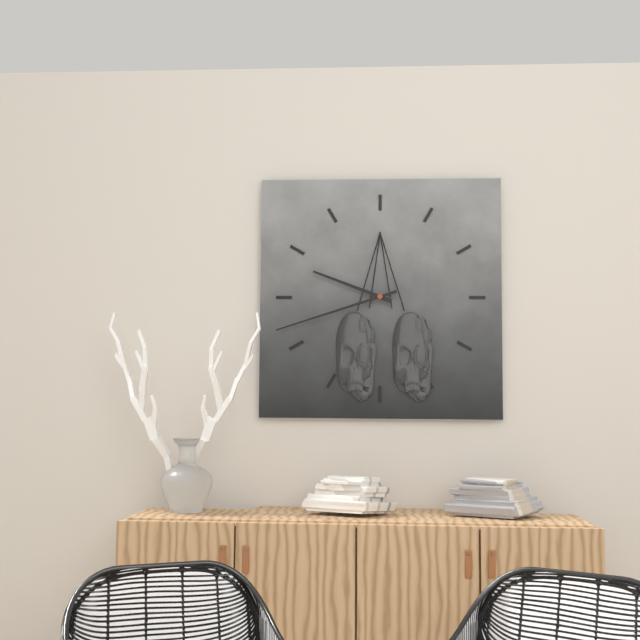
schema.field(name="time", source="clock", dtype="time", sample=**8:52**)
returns **9:42**
